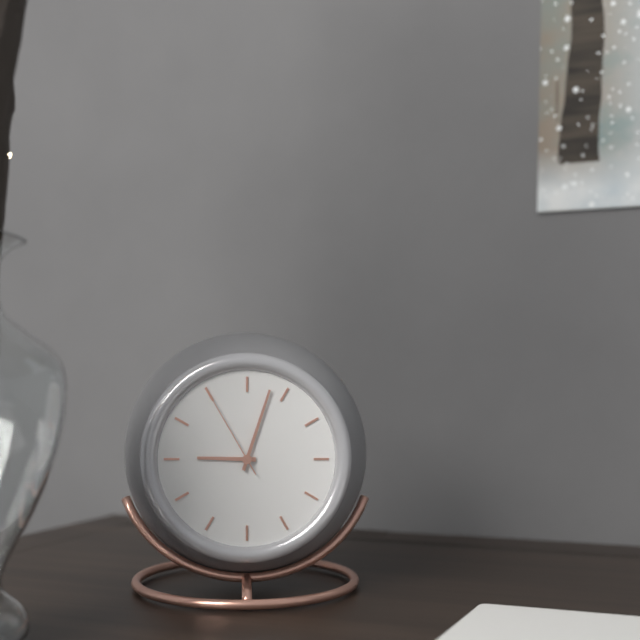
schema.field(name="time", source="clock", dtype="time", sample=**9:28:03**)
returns **9:03:55**
